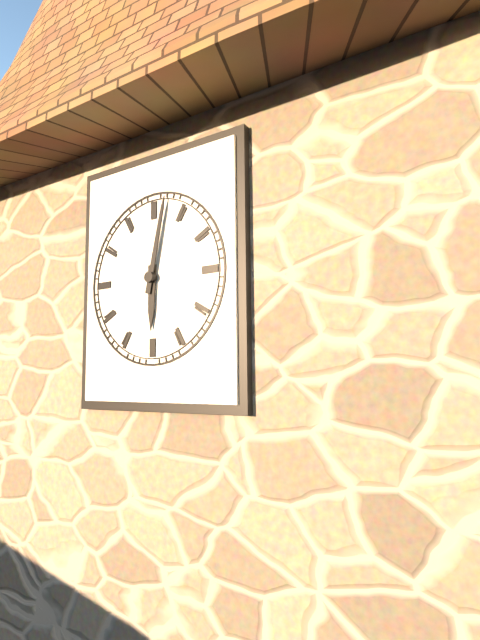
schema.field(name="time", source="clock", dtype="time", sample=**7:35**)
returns **6:02**
